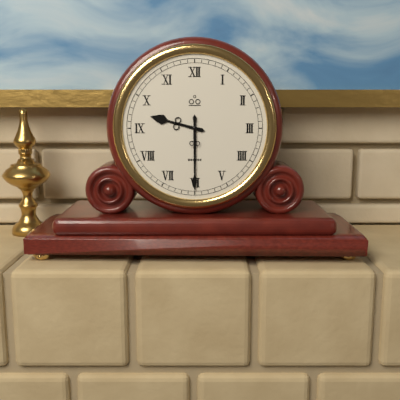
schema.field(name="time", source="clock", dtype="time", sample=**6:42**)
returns **9:30**
